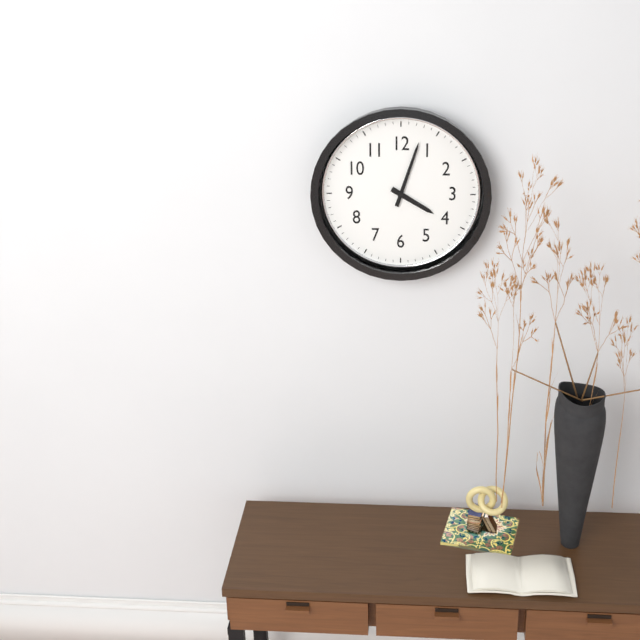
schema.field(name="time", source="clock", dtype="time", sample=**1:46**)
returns **4:03**
